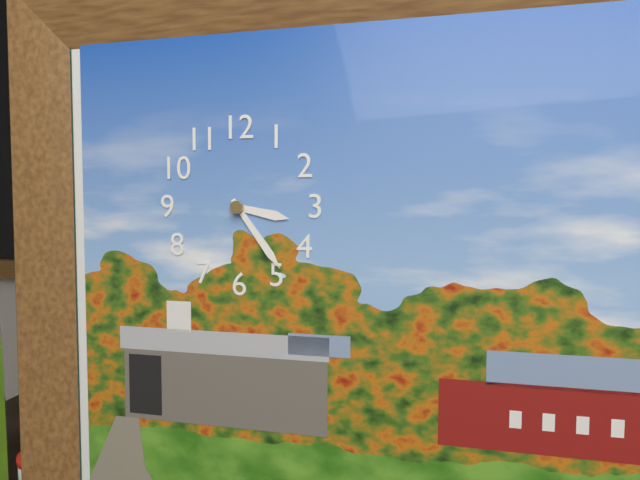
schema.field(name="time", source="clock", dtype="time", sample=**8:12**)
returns **3:24**
